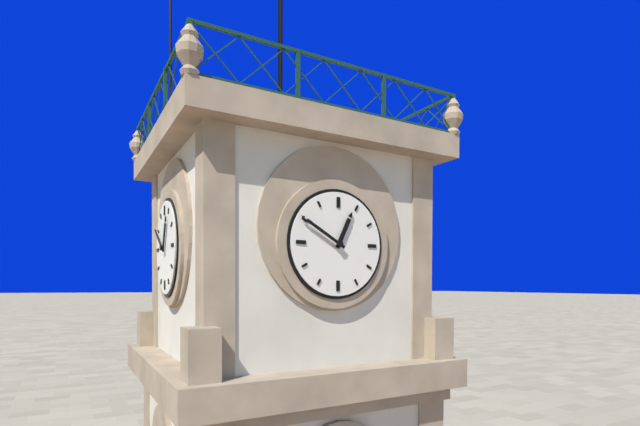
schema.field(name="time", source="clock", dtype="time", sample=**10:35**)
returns **12:50**
